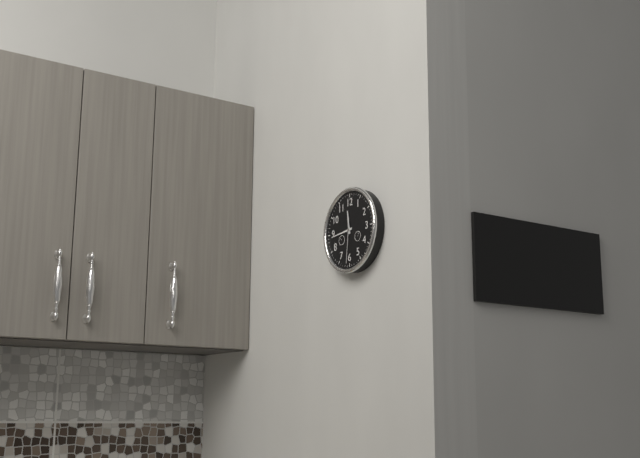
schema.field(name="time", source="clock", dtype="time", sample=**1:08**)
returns **11:44**
